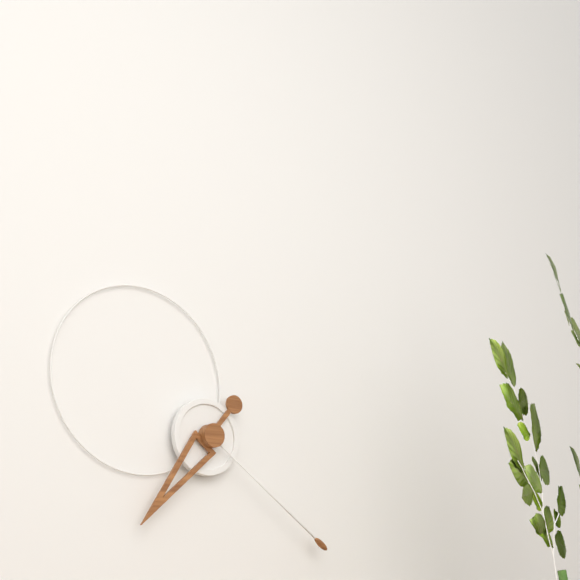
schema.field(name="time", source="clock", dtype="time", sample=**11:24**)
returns **7:21**
